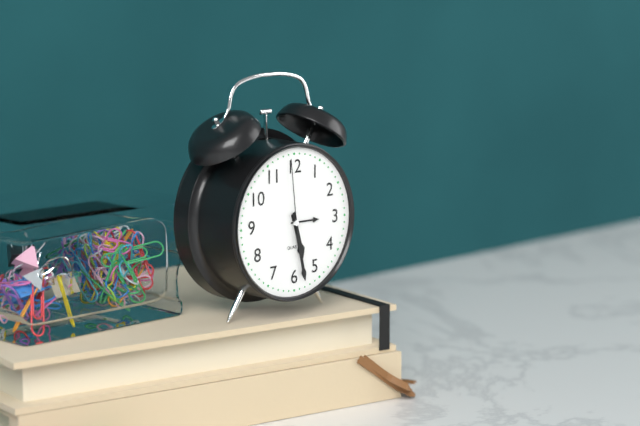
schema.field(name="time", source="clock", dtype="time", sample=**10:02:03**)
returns **5:28:59**
